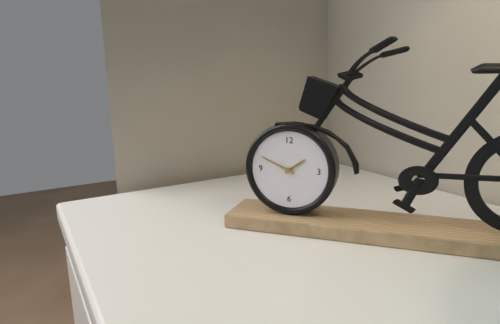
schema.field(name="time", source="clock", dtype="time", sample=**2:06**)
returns **1:49**
